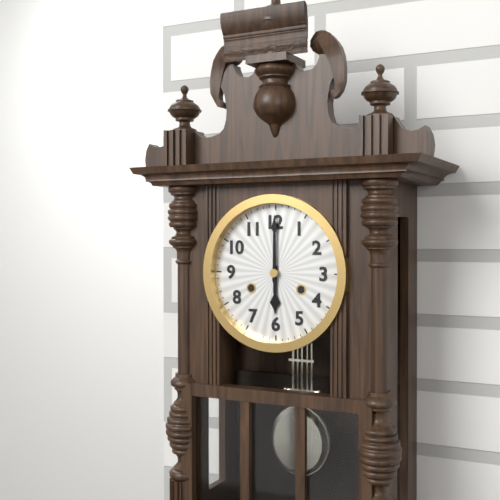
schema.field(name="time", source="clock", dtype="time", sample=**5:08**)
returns **6:00**
